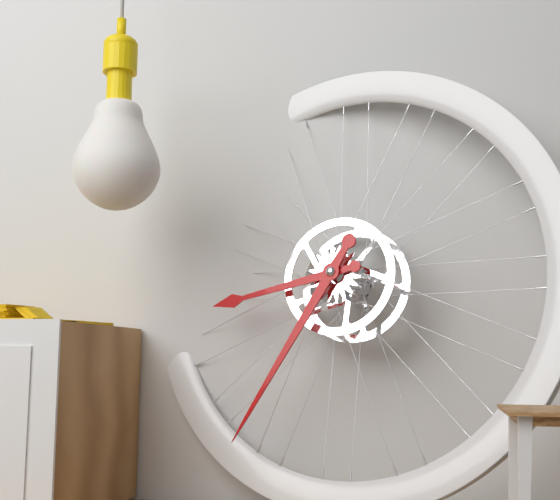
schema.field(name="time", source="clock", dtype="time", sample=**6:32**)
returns **8:35**
